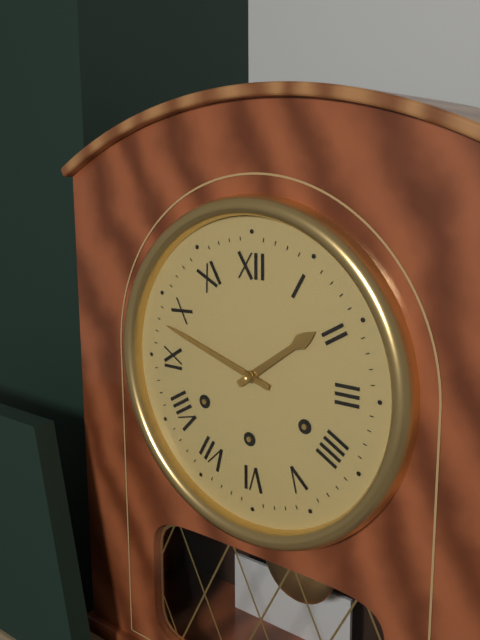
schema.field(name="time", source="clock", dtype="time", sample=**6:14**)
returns **1:48**
